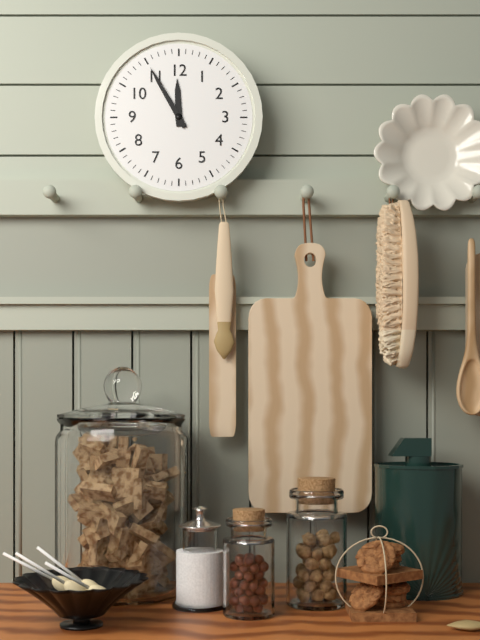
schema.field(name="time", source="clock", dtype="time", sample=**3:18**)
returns **11:55**
